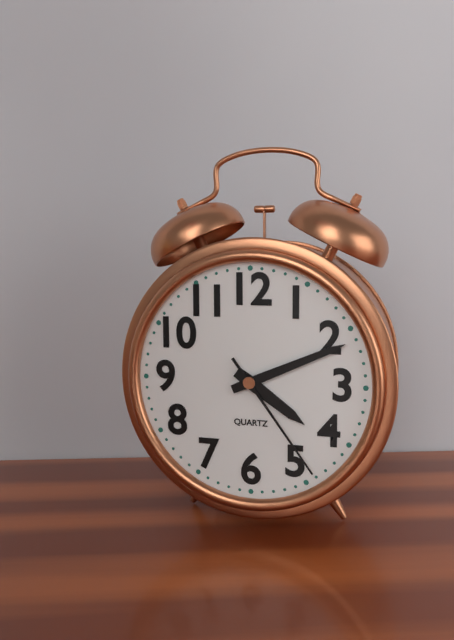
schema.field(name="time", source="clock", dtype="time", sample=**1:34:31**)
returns **4:11:24**
